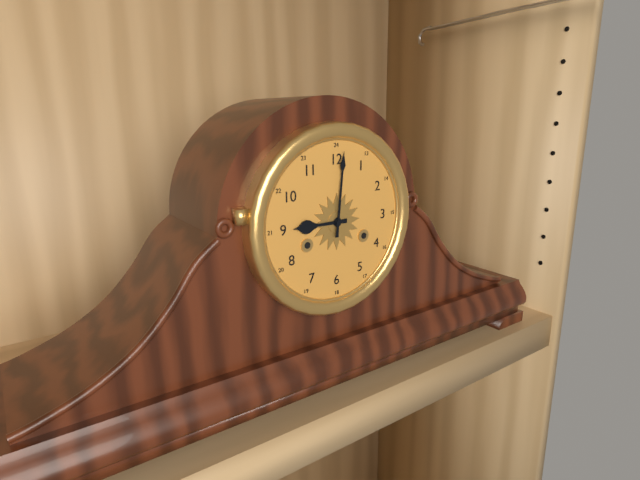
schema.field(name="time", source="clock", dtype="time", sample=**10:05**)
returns **9:01**
